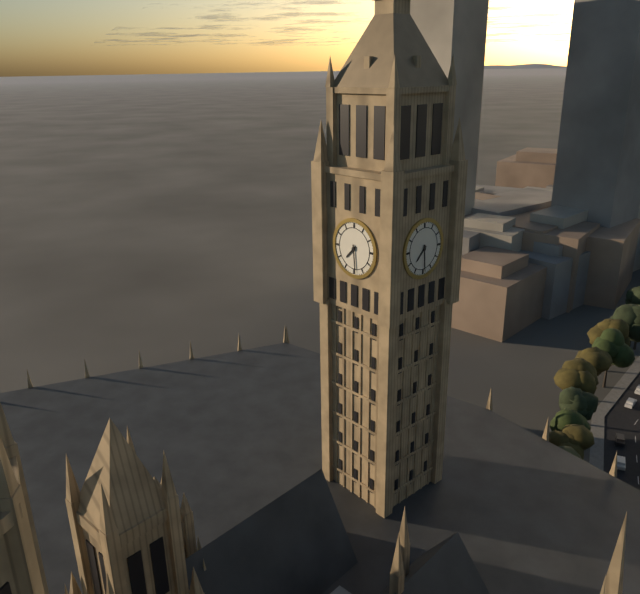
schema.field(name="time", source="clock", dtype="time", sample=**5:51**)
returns **7:29**
